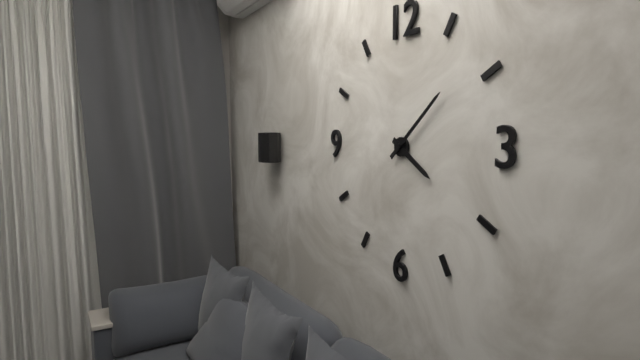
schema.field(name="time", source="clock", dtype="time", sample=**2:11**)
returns **4:08**
